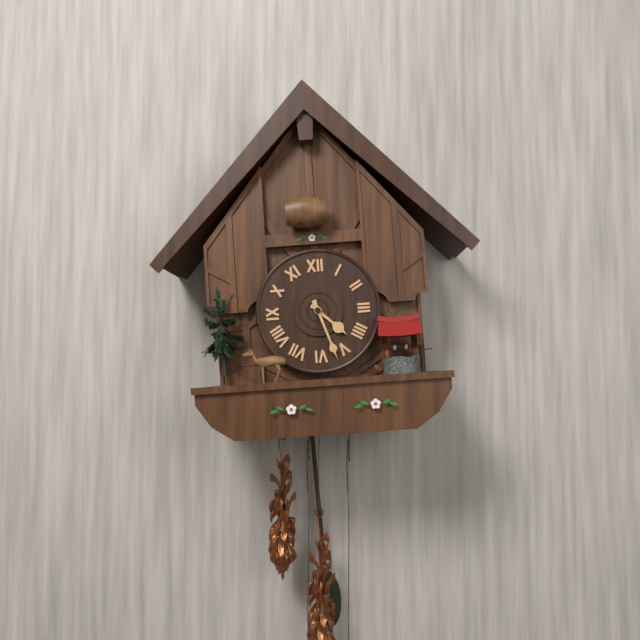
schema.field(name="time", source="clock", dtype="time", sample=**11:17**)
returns **4:27**
